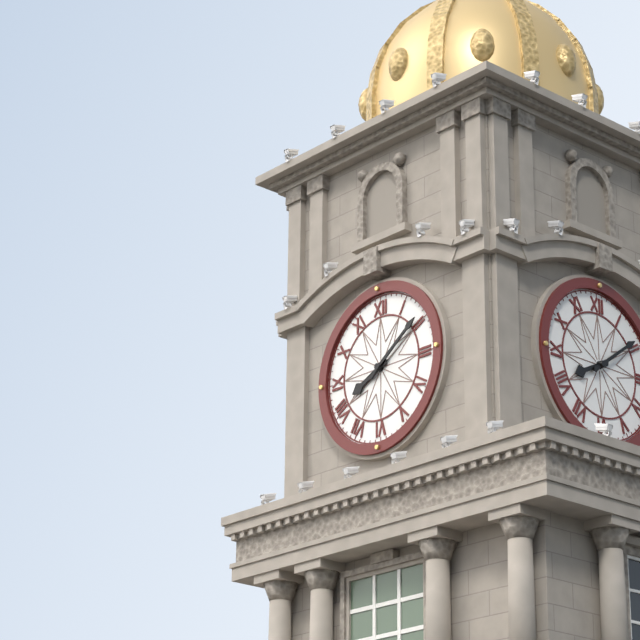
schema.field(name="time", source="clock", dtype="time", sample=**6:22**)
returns **8:09**
